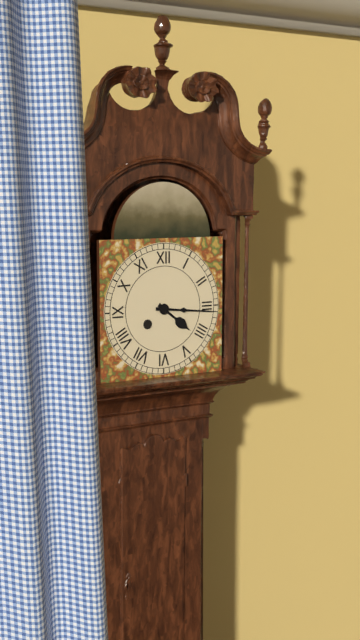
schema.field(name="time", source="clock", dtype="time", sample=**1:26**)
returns **4:16**
